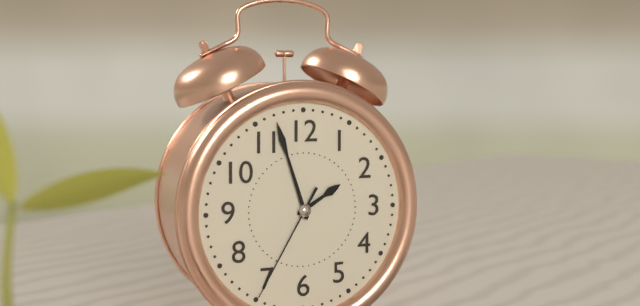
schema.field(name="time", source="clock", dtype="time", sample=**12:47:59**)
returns **1:57:35**
